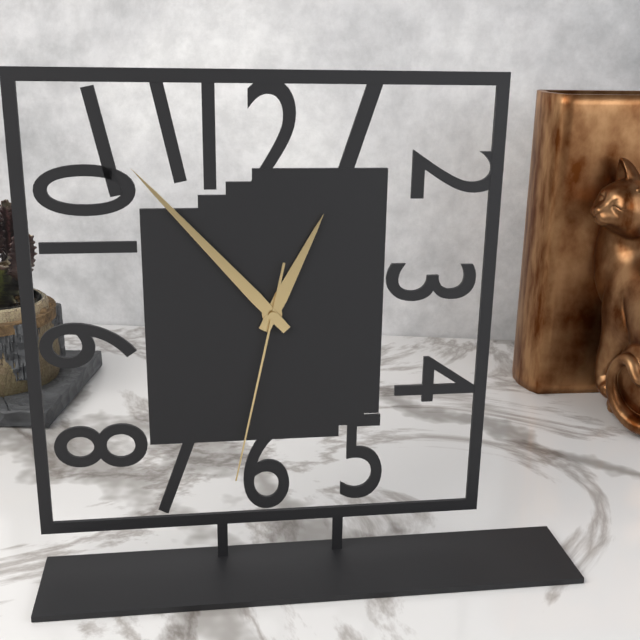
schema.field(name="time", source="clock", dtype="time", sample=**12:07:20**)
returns **12:53:32**
